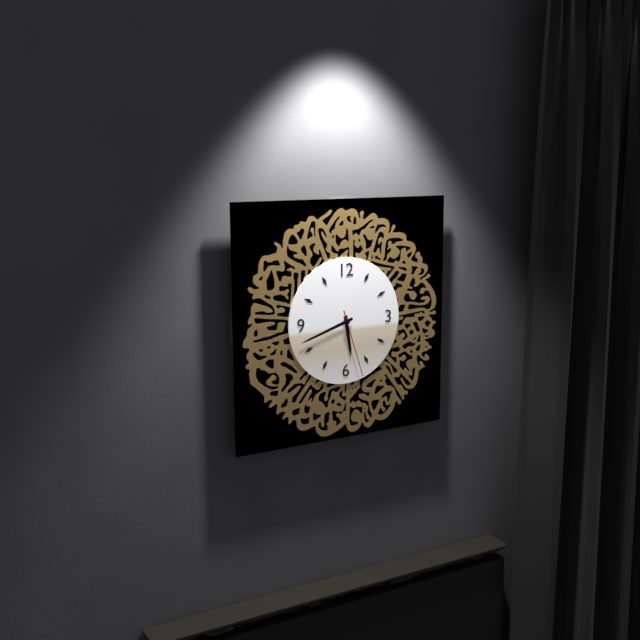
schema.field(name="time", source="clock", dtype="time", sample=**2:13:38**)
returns **5:42:27**
